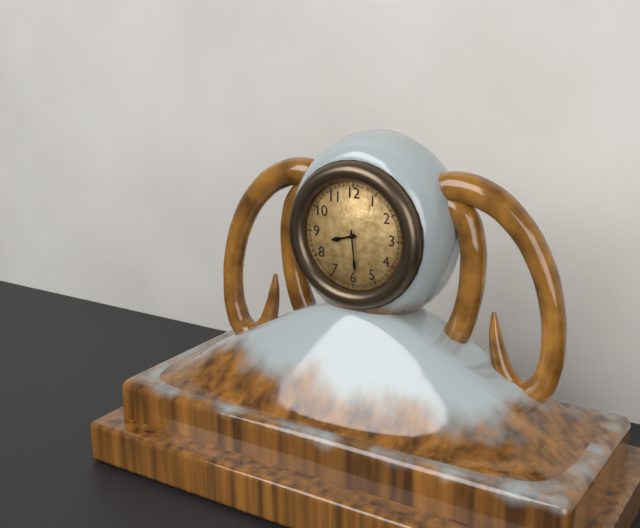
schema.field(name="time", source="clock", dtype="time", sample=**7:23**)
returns **8:29**
